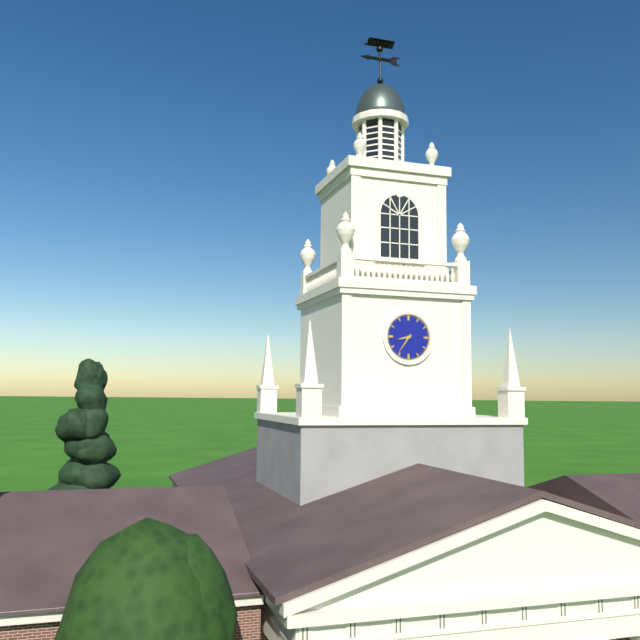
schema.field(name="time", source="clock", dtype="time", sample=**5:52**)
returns **8:36**
